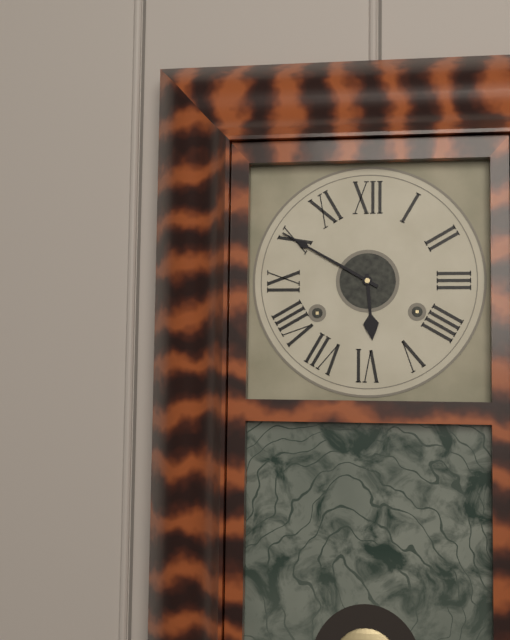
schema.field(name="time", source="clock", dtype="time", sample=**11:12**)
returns **5:50**
